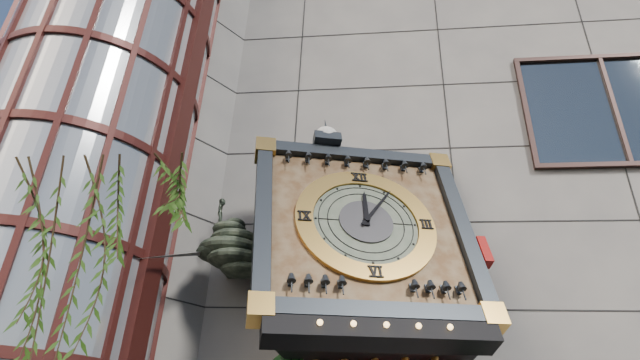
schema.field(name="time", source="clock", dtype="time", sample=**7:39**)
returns **12:06**
